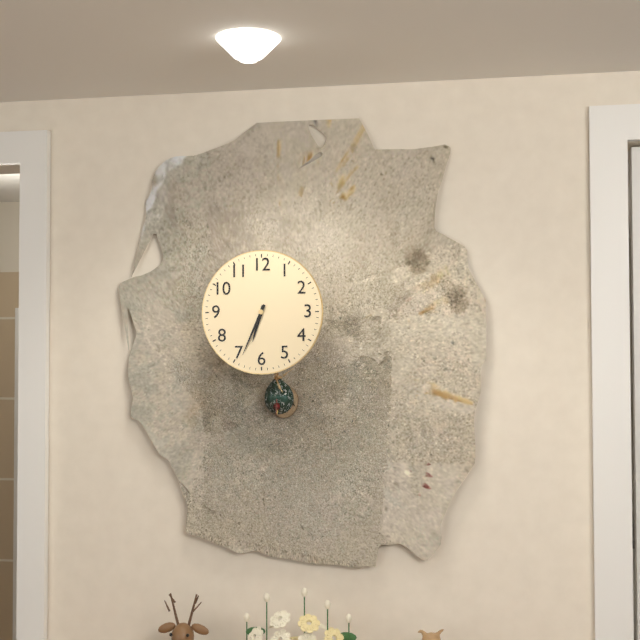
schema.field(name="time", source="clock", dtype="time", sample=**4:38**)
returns **6:34**
